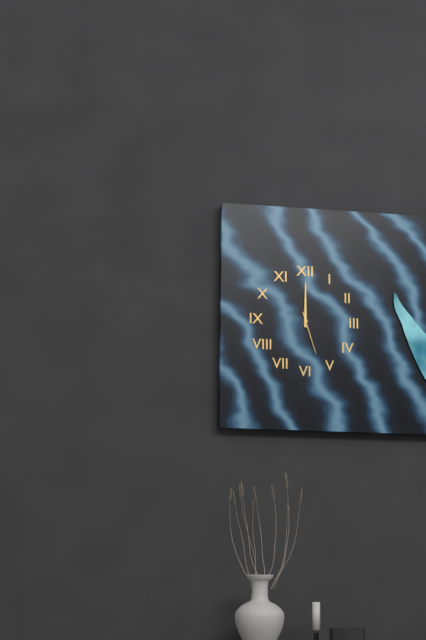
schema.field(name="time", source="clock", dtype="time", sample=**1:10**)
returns **12:00**
